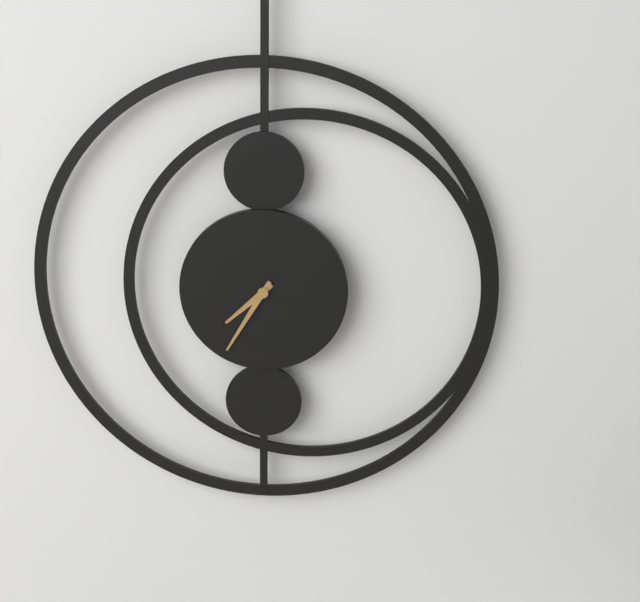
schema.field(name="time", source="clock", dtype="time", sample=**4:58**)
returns **7:35**
